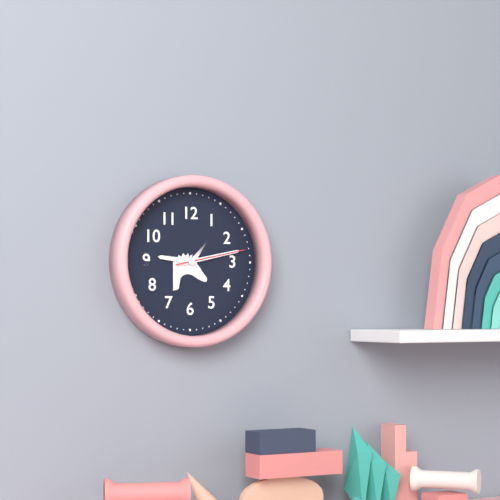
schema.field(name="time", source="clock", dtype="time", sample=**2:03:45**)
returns **9:13:13**
